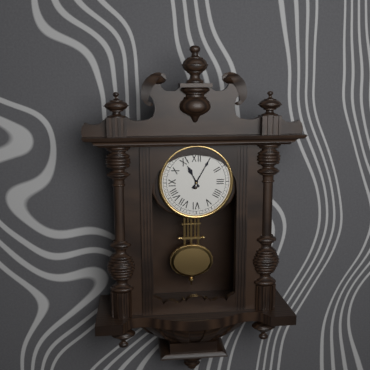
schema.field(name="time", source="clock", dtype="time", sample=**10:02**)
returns **11:05**
